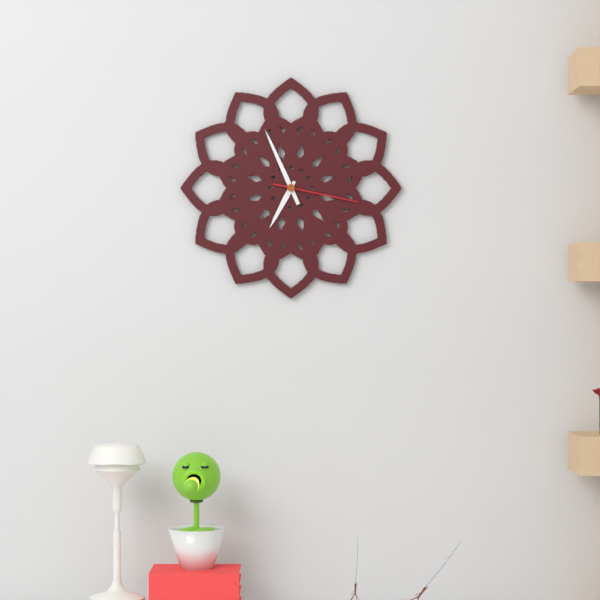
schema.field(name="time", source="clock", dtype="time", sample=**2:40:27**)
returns **6:56:17**
